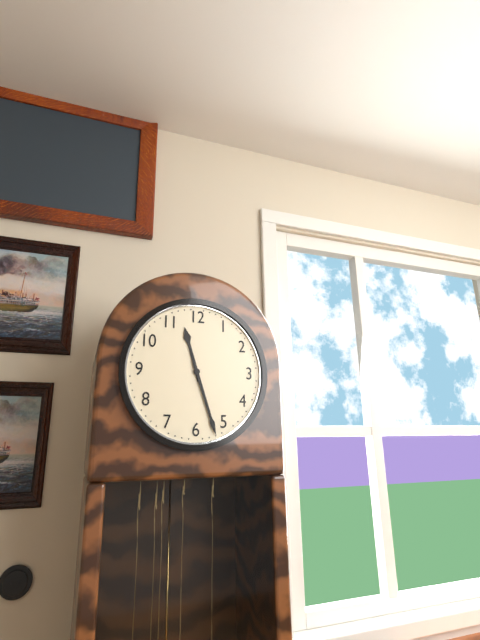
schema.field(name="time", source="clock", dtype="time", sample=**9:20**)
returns **11:27**
